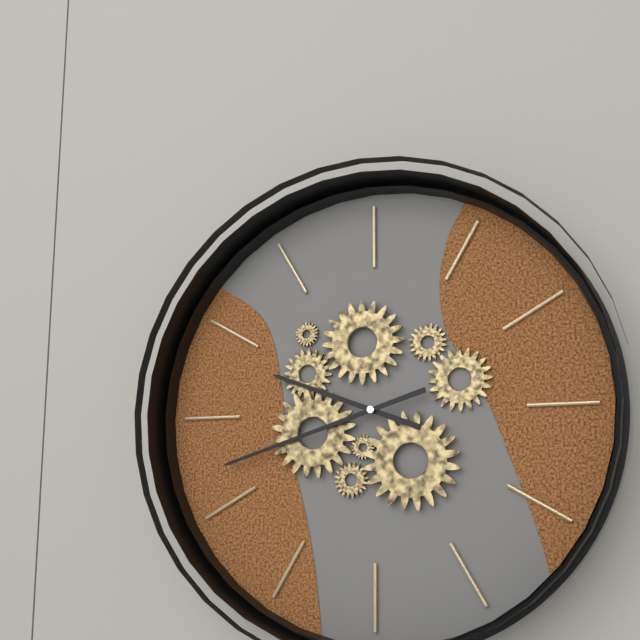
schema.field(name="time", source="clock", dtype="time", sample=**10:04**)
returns **9:42**
